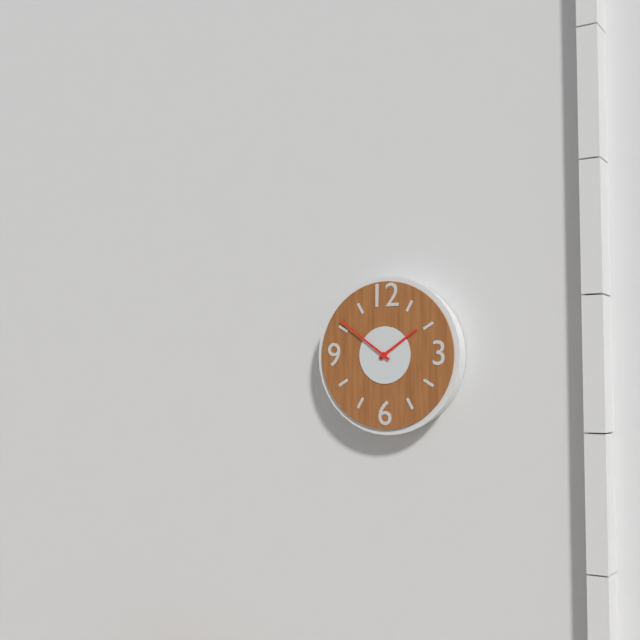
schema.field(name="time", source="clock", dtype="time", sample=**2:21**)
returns **1:51**
